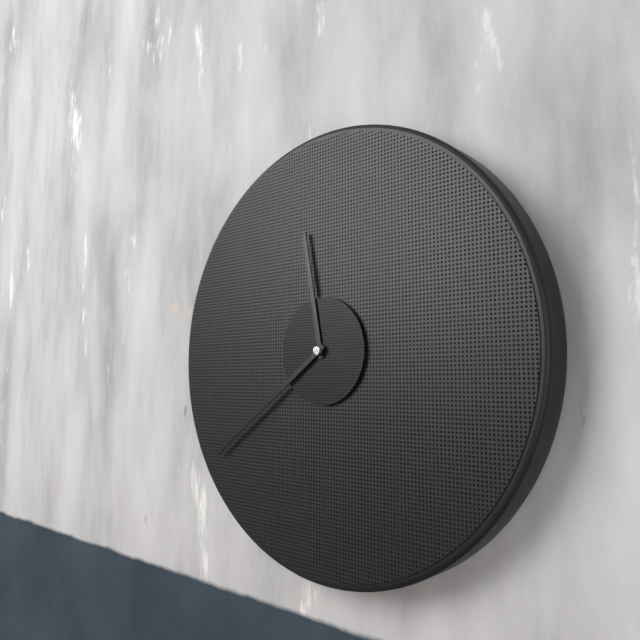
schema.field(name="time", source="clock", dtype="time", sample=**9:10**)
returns **11:39**
